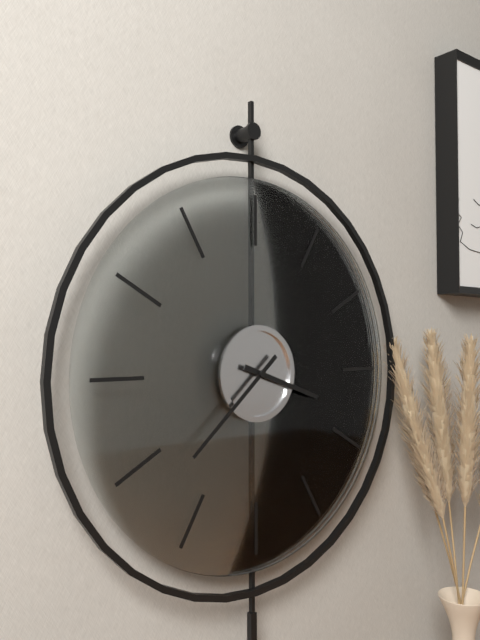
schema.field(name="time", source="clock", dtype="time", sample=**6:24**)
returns **3:38**
